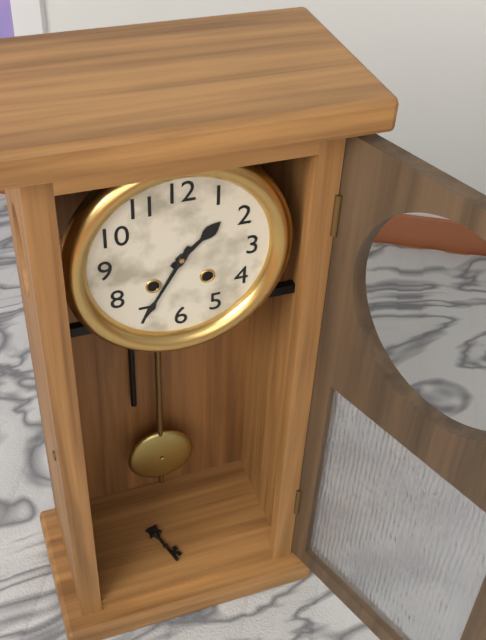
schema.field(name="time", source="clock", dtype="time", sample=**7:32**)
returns **1:35**
